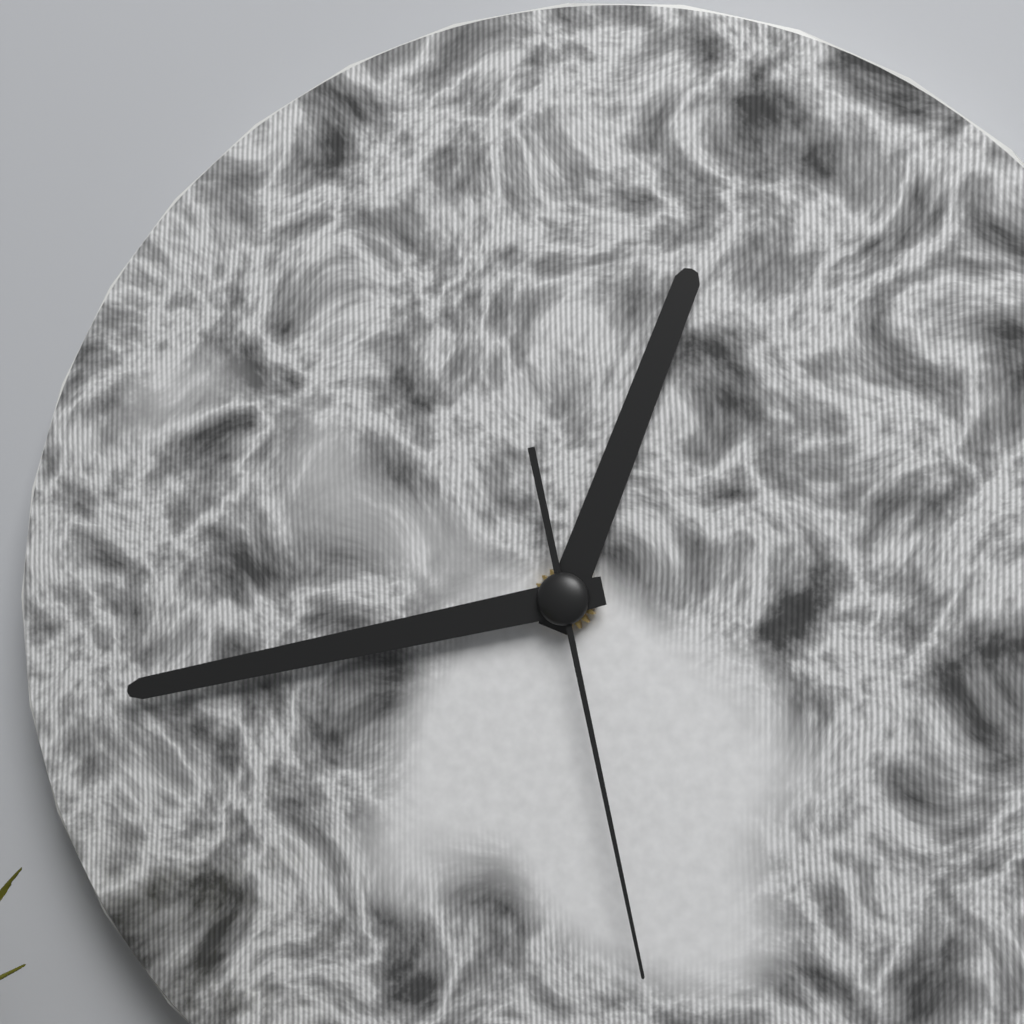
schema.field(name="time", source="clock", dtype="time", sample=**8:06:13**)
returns **12:43:28**
